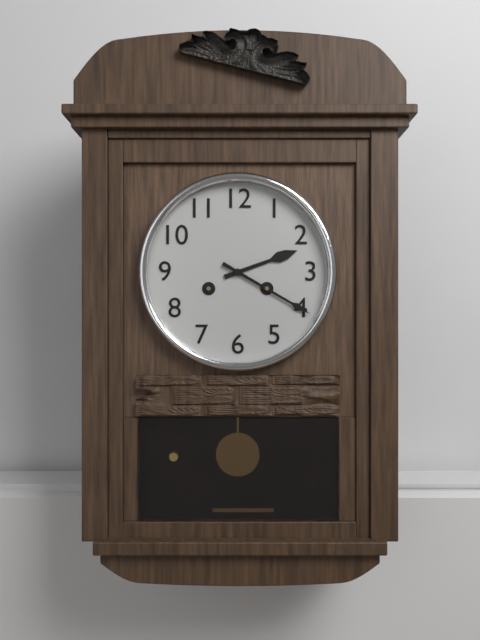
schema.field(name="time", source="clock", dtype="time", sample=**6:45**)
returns **2:20**
